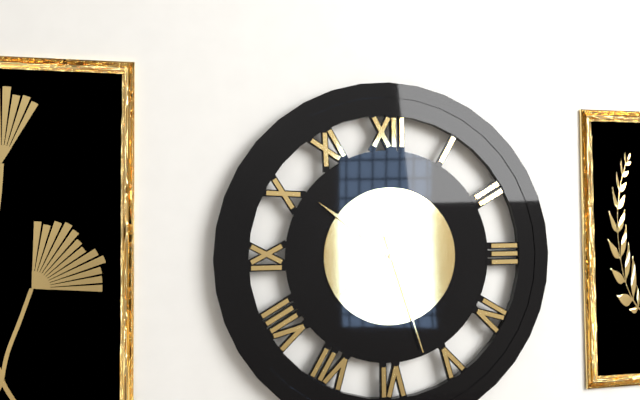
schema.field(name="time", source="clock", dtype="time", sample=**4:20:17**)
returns **7:51:27**
